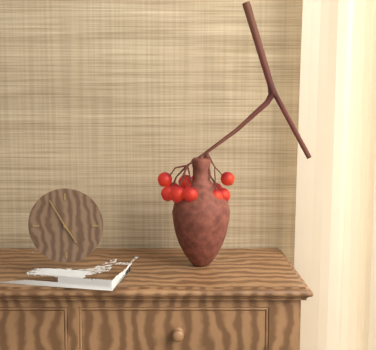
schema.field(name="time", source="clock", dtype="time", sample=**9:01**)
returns **4:55**
